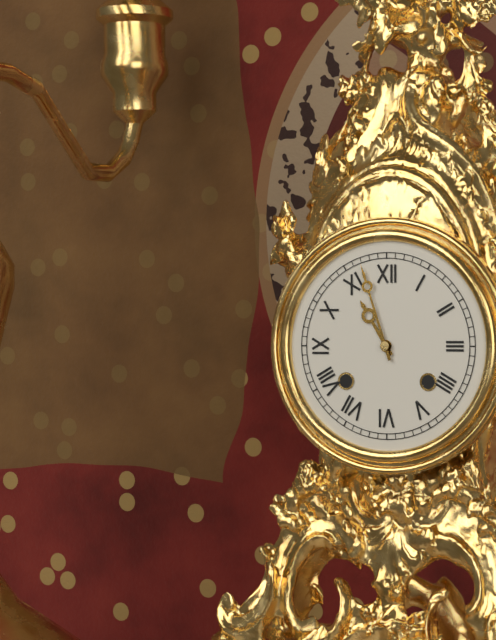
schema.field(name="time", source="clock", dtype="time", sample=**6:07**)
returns **10:57**
